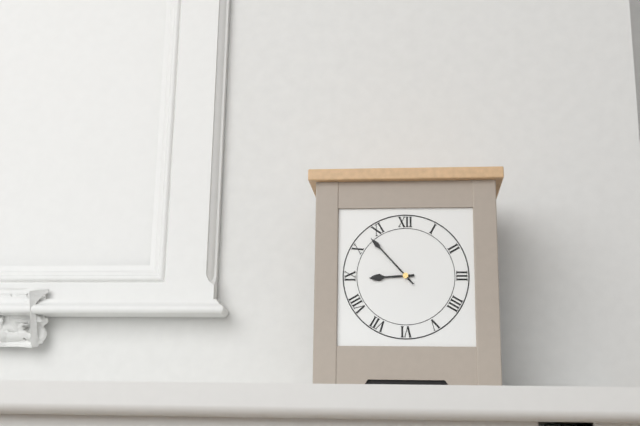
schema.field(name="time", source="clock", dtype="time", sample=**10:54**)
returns **8:53**
